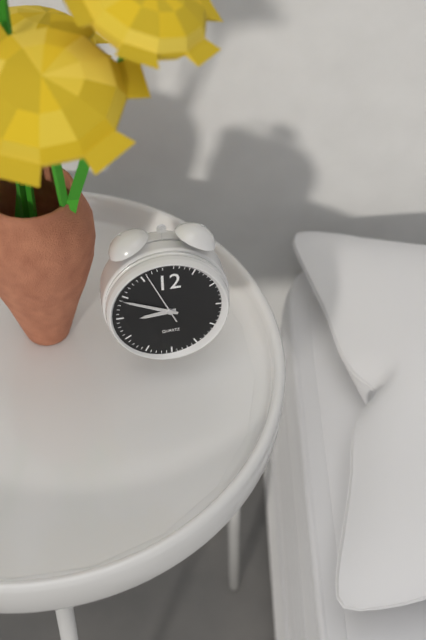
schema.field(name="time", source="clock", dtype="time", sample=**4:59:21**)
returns **8:49:56**
